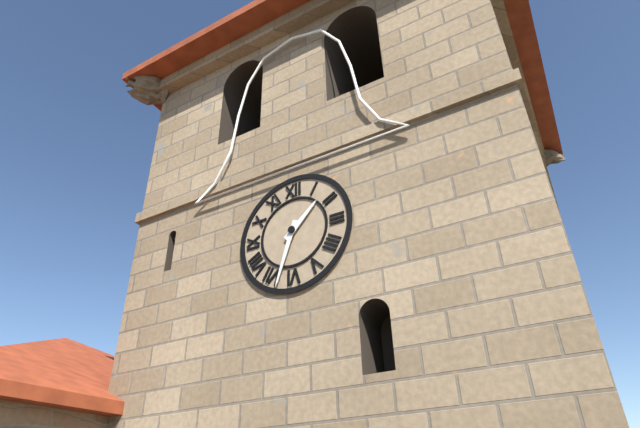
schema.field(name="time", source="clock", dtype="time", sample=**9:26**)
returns **1:33**
